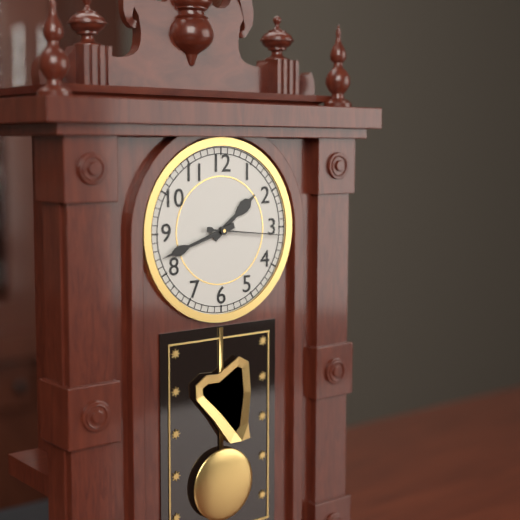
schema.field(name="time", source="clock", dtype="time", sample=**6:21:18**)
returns **1:42:16**
